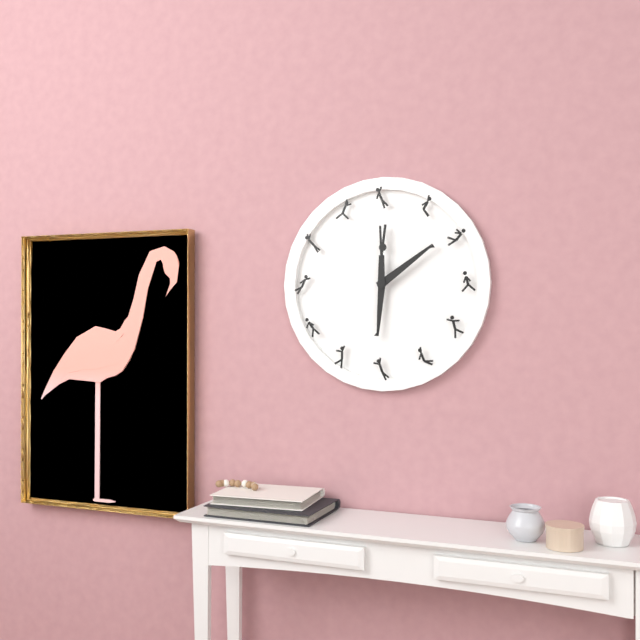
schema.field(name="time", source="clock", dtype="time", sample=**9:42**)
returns **6:09**
